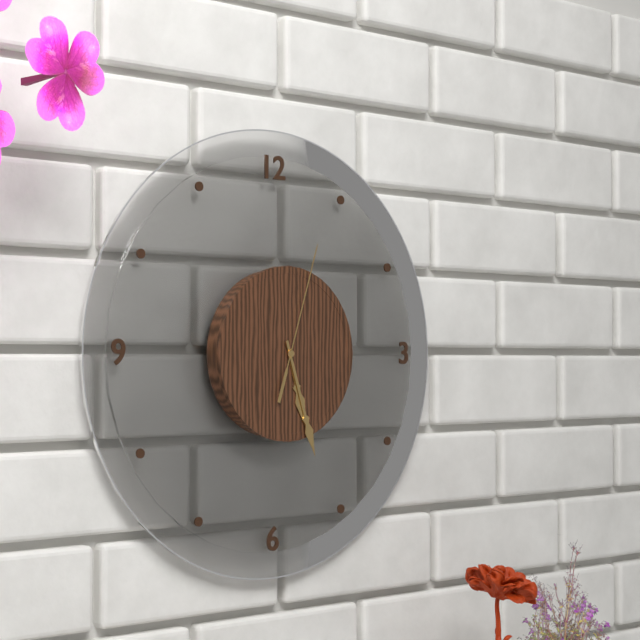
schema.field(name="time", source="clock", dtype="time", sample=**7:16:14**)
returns **5:27:03**
